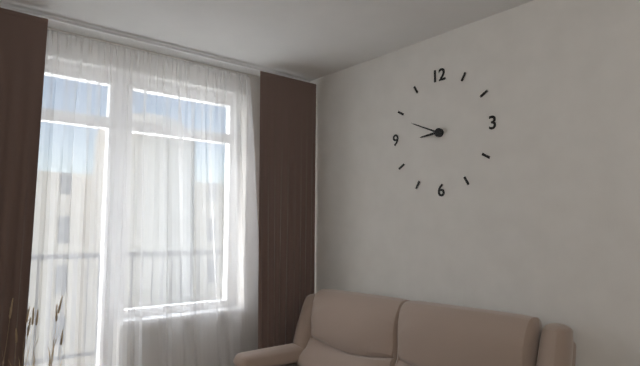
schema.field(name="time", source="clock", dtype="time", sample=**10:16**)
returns **8:49**
